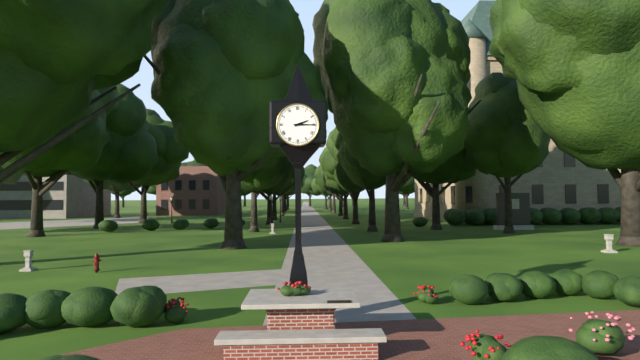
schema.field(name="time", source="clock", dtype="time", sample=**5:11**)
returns **2:15**
